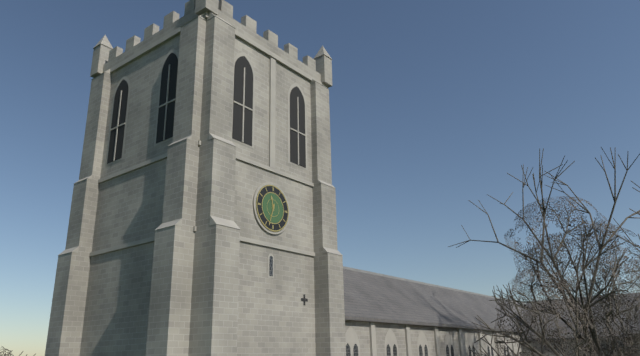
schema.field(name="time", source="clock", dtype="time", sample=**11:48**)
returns **11:33**
